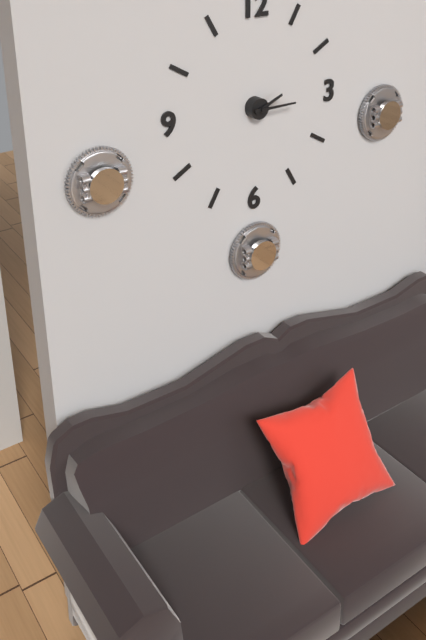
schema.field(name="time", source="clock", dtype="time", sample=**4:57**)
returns **2:15**
